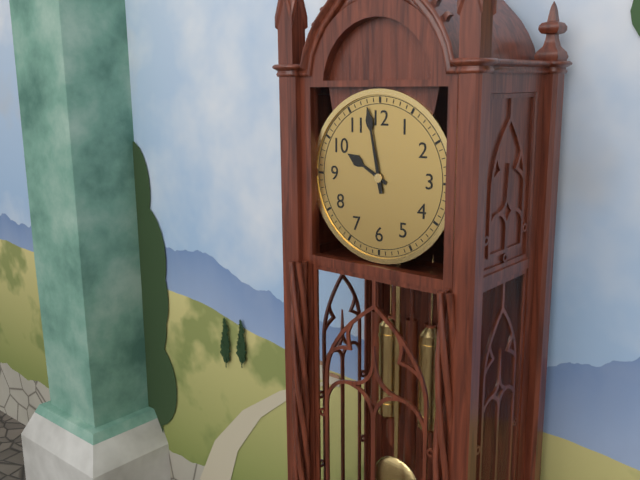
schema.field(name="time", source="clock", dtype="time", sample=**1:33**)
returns **9:58**
